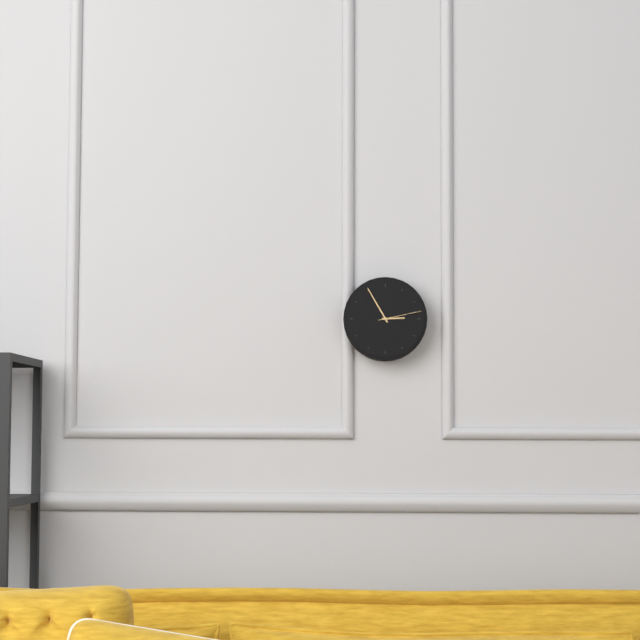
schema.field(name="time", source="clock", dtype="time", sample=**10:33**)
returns **2:55**
